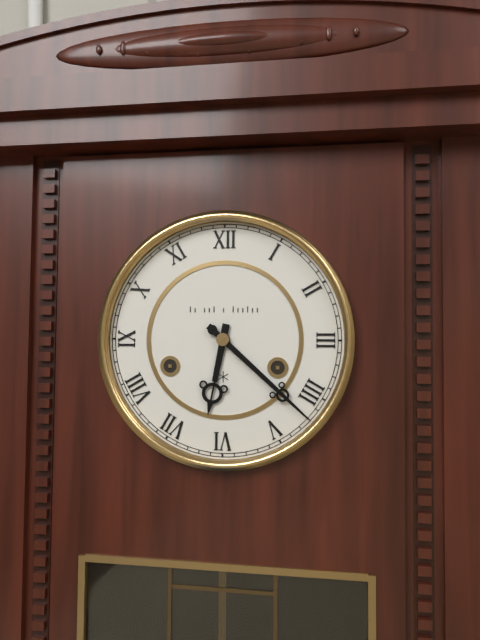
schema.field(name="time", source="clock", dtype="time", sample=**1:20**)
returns **6:22**
